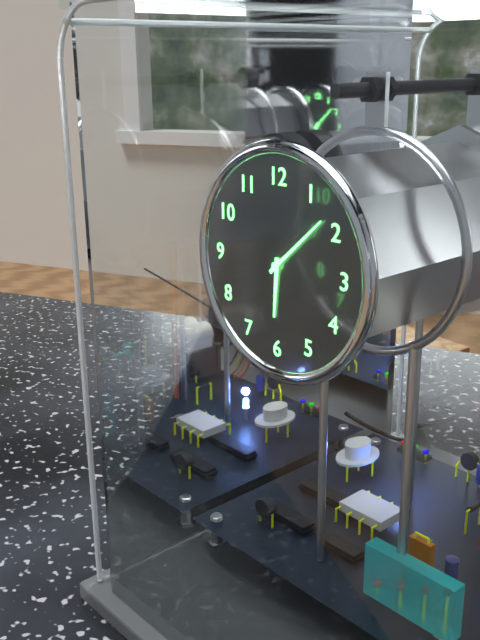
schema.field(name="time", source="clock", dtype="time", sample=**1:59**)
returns **6:08**
